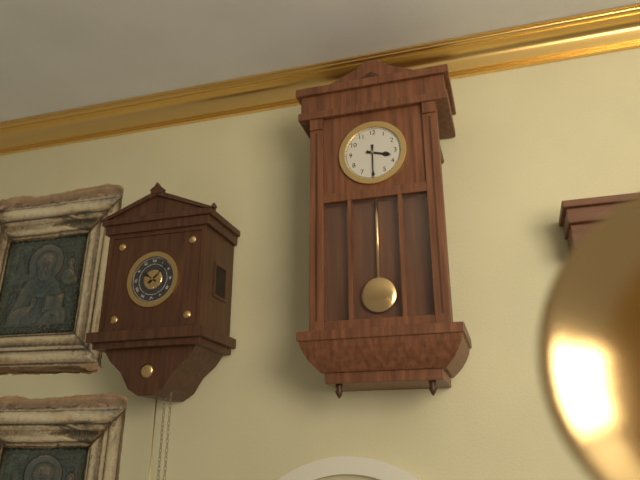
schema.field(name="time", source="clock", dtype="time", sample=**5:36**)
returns **3:30**
